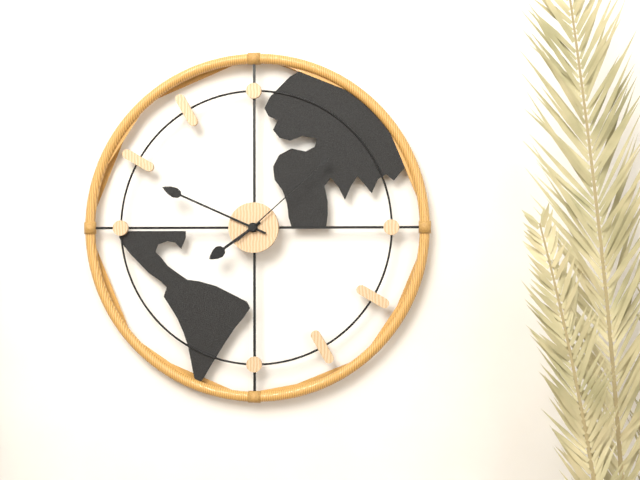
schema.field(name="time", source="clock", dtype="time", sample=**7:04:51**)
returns **7:49:08**
